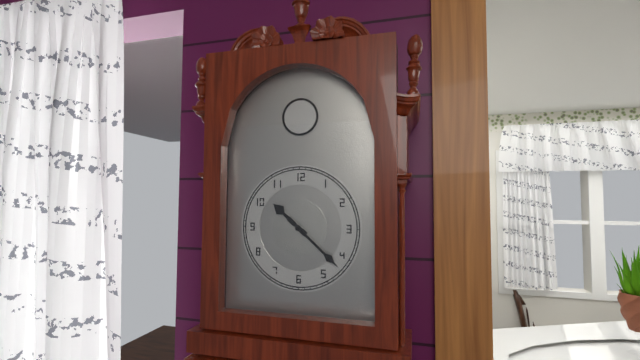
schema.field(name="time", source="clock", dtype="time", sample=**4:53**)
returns **10:22**
